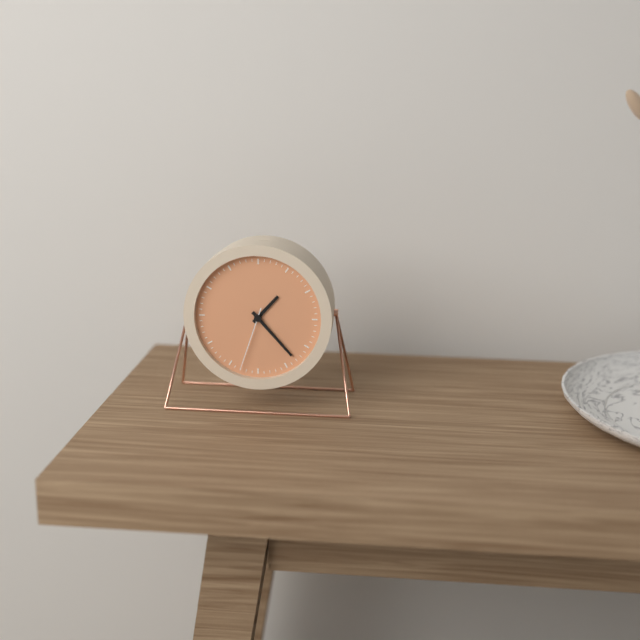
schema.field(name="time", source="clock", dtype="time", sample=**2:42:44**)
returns **1:23:33**
